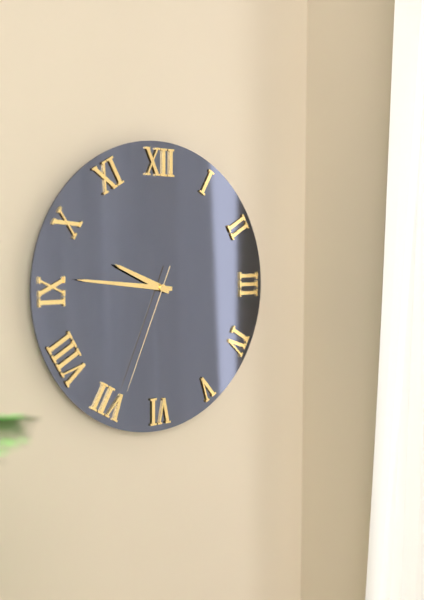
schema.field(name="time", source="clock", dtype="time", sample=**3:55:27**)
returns **9:46:34**
